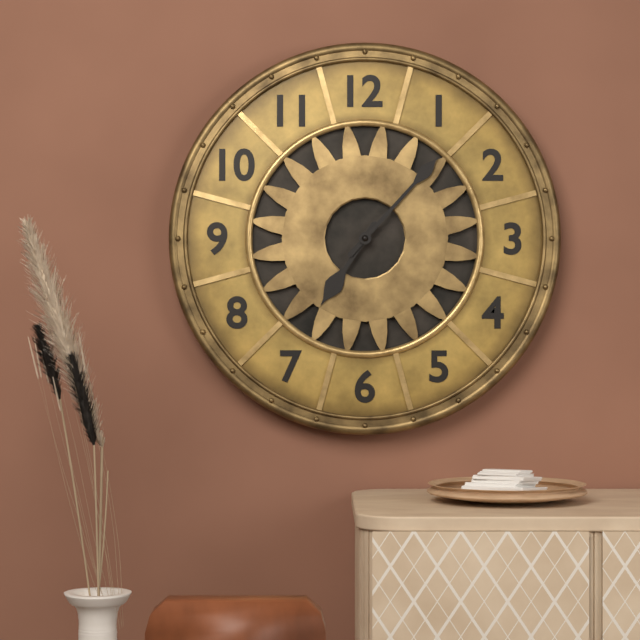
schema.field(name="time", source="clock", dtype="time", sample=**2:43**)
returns **7:07**
